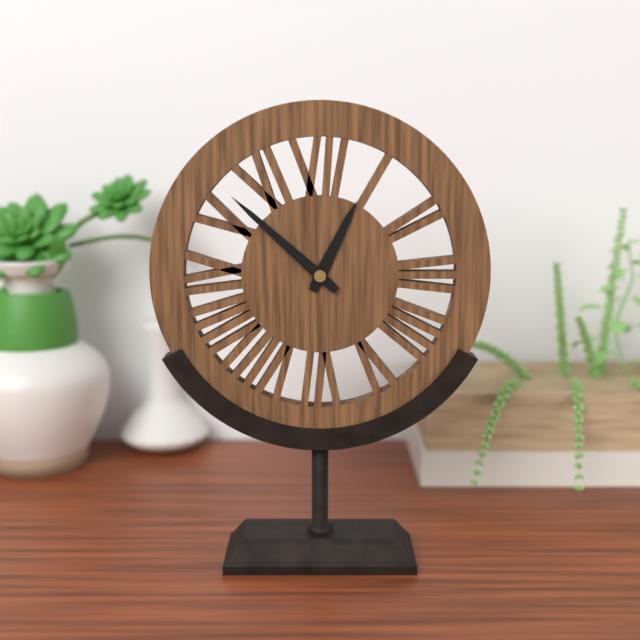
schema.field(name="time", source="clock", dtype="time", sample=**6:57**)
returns **12:52**
